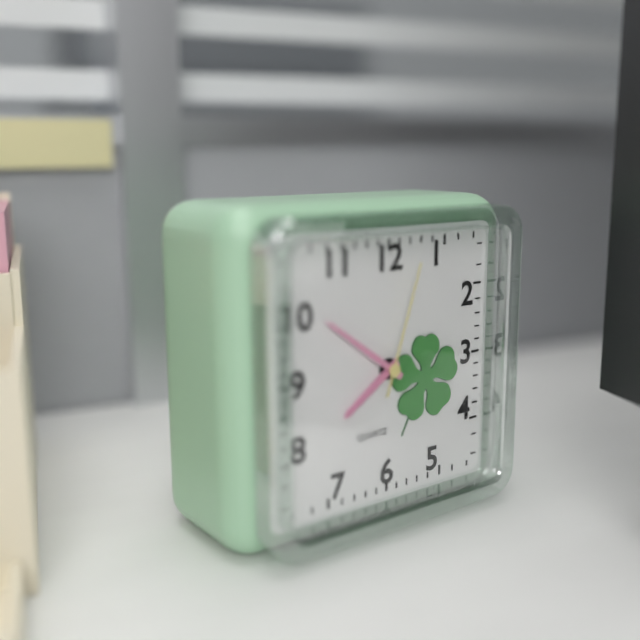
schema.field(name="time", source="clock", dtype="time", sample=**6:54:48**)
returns **7:51:03**
